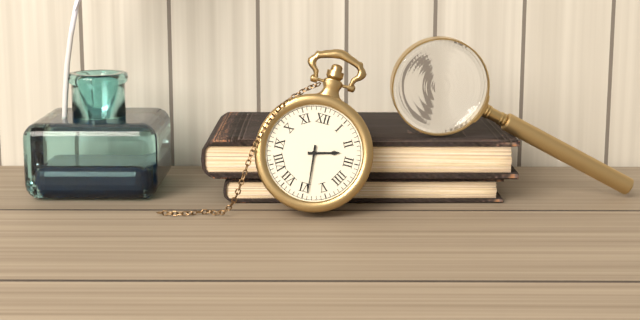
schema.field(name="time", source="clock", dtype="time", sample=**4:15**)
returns **2:29**
